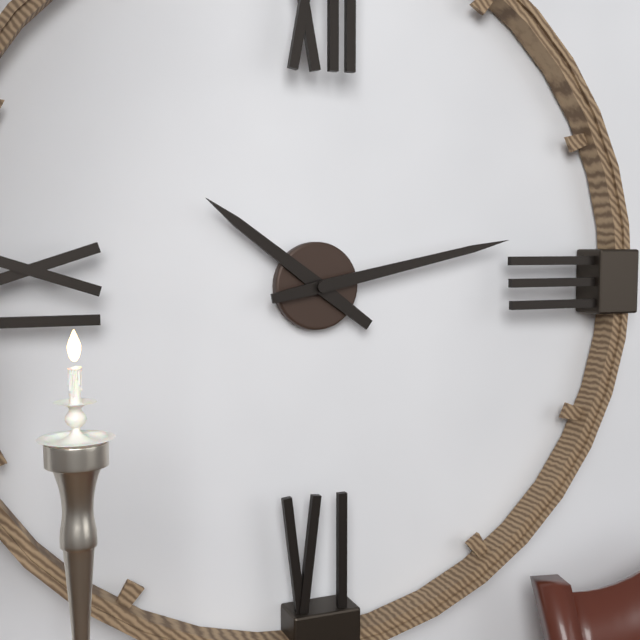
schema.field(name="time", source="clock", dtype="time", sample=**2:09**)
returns **10:13**
